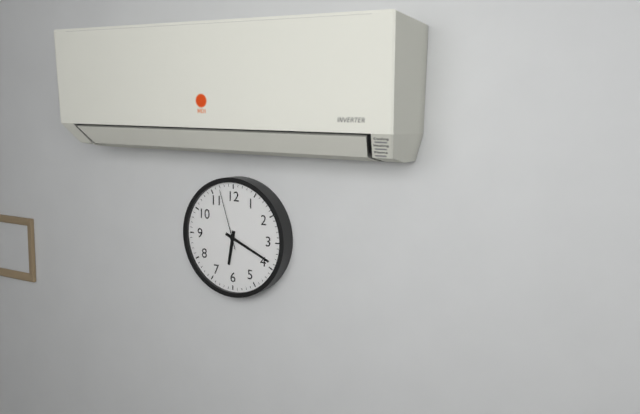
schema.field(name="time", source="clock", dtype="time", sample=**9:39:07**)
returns **6:19:57**
